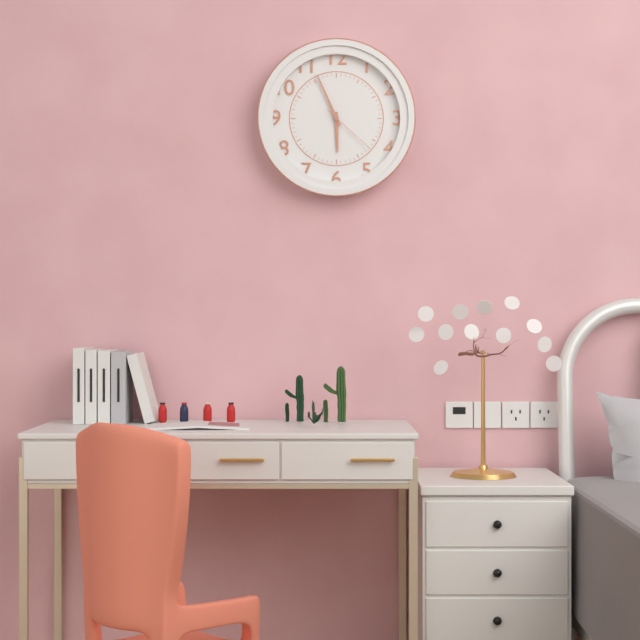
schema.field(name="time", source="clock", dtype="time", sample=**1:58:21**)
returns **5:56:22**
